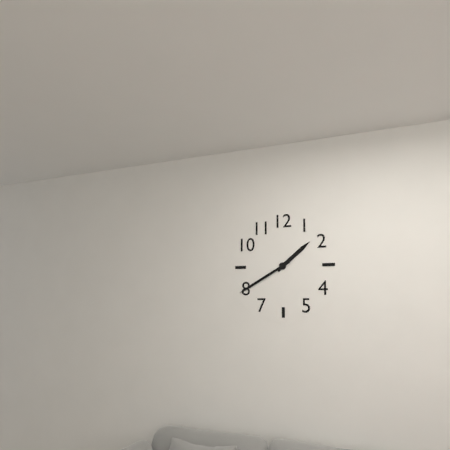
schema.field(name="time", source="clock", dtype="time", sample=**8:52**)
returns **1:40**
